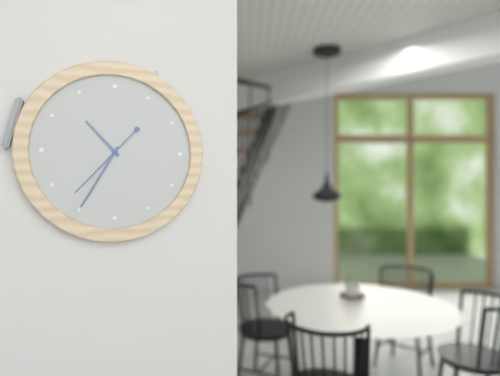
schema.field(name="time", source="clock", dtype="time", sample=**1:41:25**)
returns **10:35:37**
